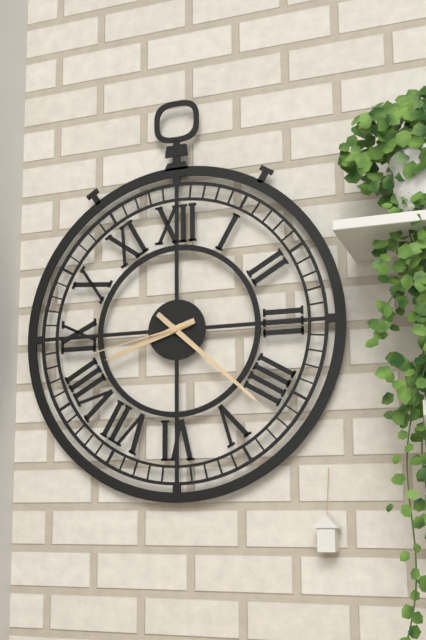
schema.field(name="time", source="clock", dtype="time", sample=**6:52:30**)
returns **8:22:43**
